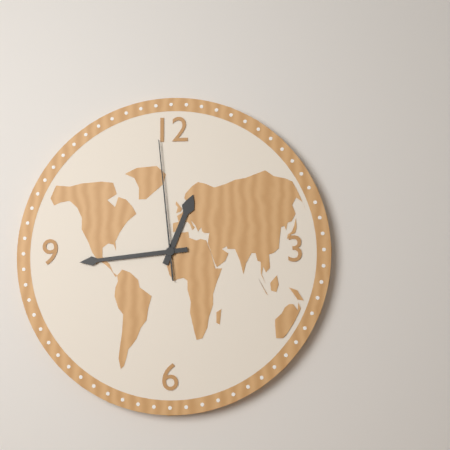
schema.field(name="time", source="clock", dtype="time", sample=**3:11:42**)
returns **12:44:59**
